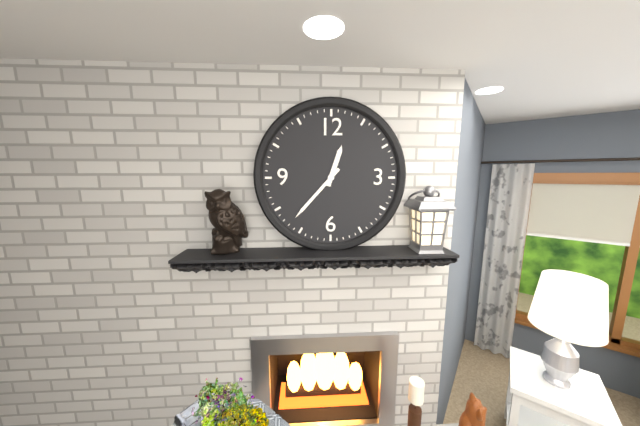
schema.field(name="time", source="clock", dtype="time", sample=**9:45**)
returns **12:37**
